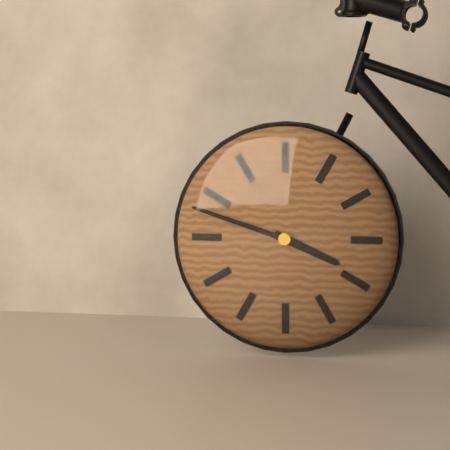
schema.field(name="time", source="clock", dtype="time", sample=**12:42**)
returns **3:48**
